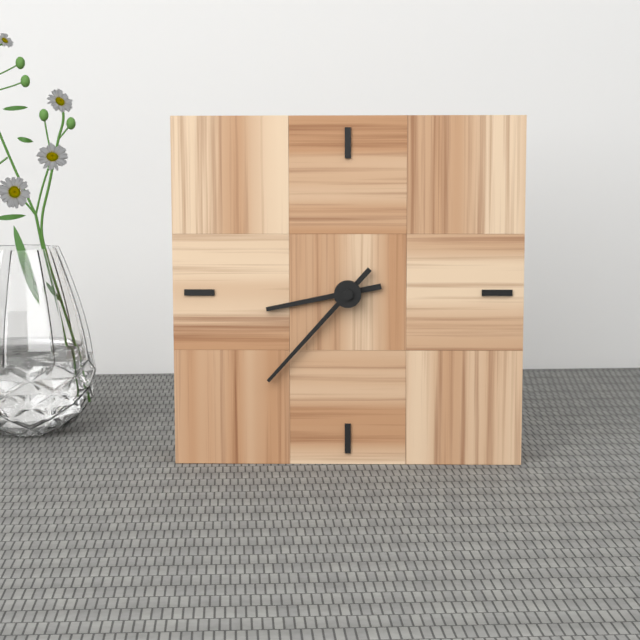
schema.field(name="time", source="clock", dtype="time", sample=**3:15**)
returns **8:37**
